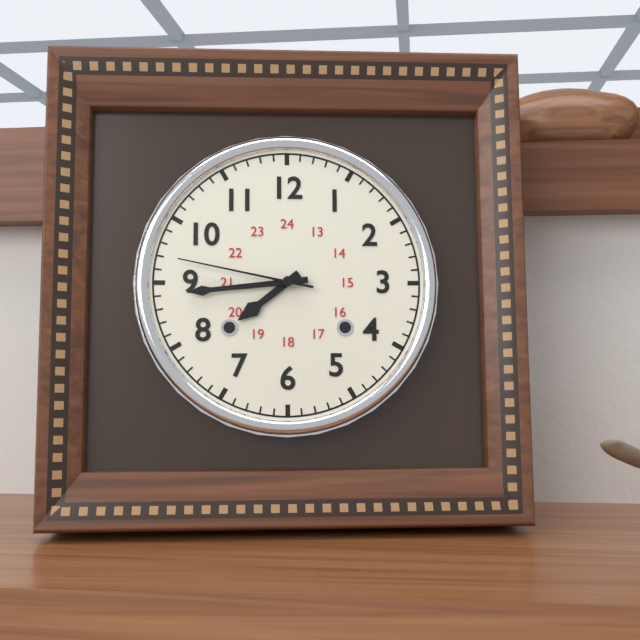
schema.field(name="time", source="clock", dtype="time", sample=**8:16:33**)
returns **7:44:47**
